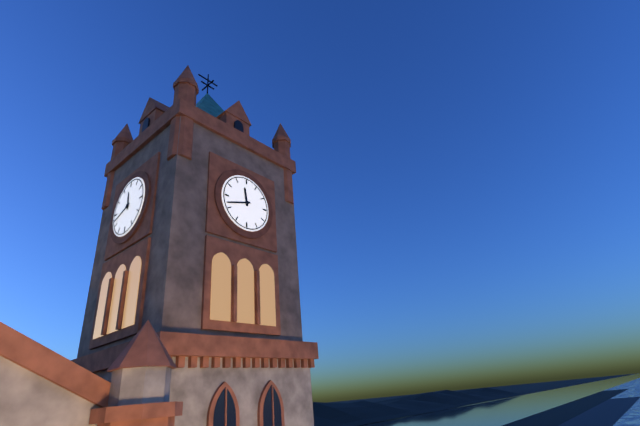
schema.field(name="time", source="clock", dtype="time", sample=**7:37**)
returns **11:42**
